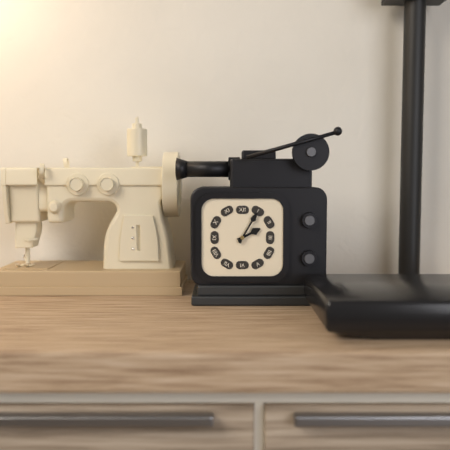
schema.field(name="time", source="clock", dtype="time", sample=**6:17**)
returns **2:05**
